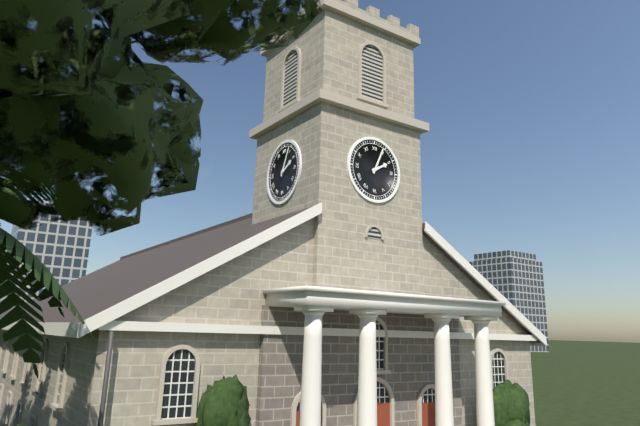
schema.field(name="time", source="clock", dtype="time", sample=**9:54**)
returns **2:04**
